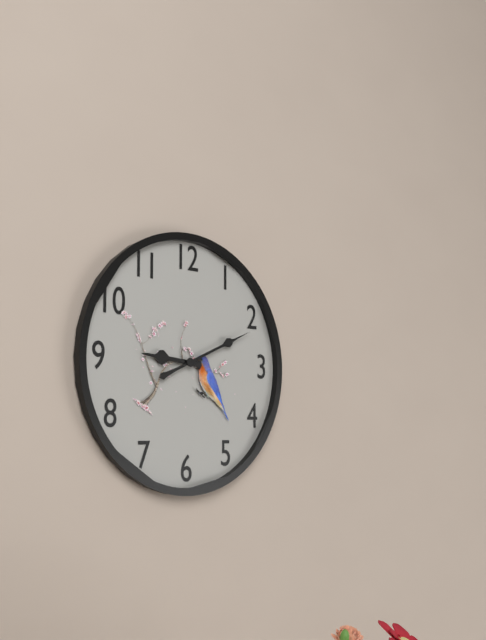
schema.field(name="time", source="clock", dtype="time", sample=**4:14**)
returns **9:11**
